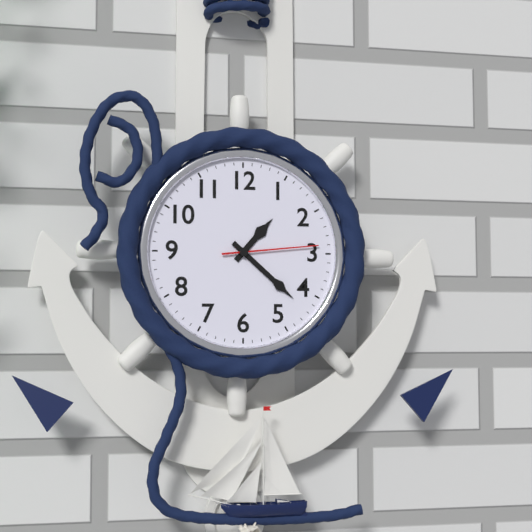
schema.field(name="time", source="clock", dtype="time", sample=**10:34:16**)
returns **1:22:14**
